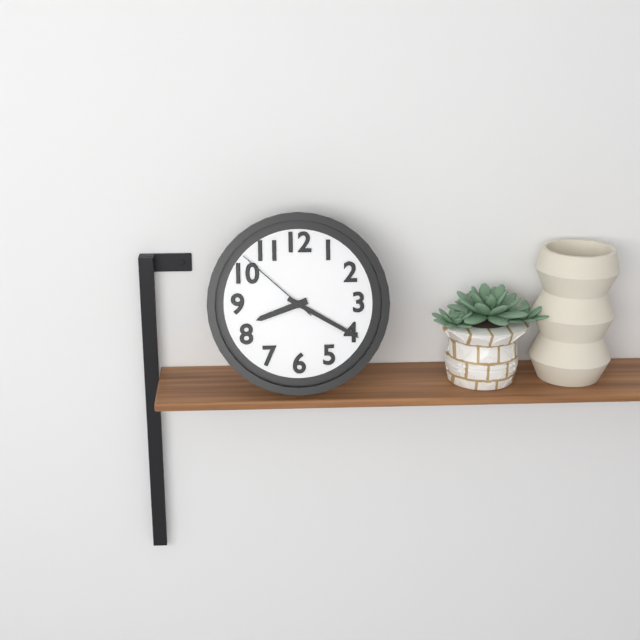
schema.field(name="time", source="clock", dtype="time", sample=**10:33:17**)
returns **8:20:52**
